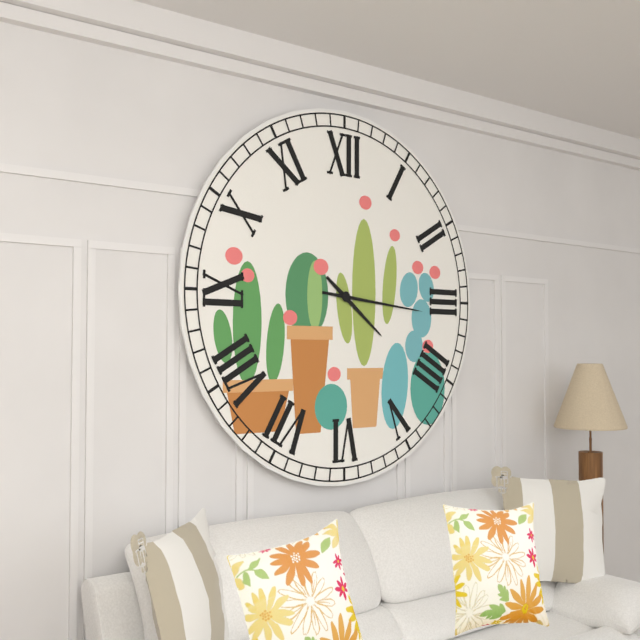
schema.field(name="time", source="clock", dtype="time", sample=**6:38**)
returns **4:16**
